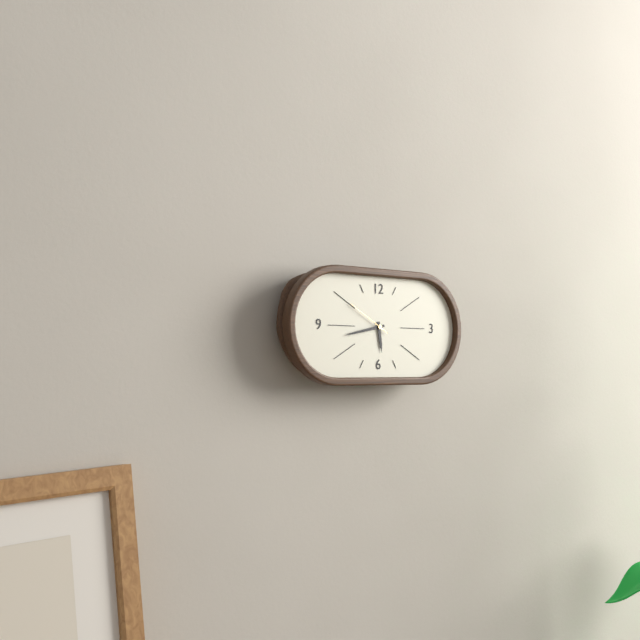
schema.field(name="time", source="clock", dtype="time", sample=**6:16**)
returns **5:43**
